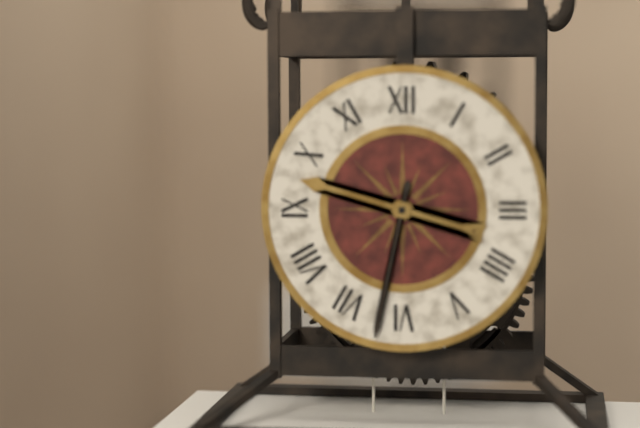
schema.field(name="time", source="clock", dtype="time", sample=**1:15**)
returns **9:32**
